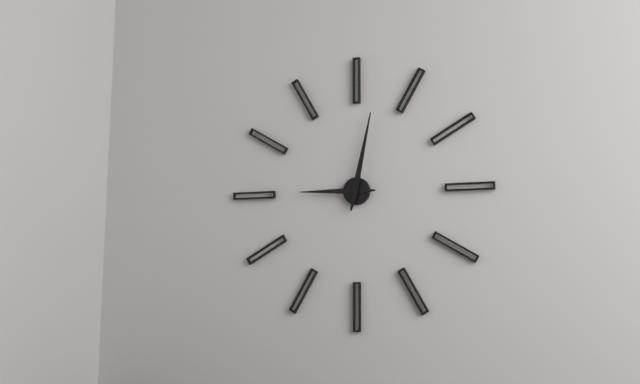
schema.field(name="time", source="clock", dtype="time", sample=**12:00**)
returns **9:02**
